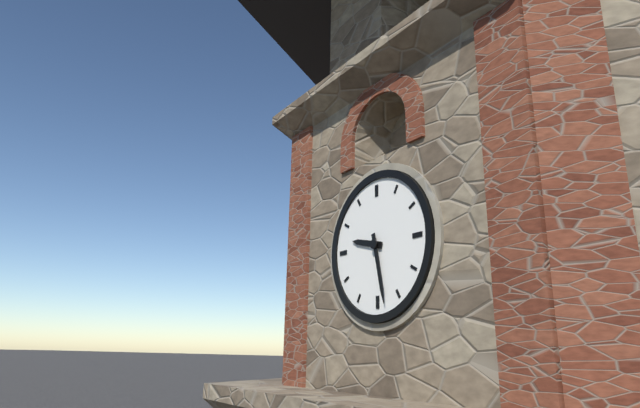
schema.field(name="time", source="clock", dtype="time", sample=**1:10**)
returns **9:28**
